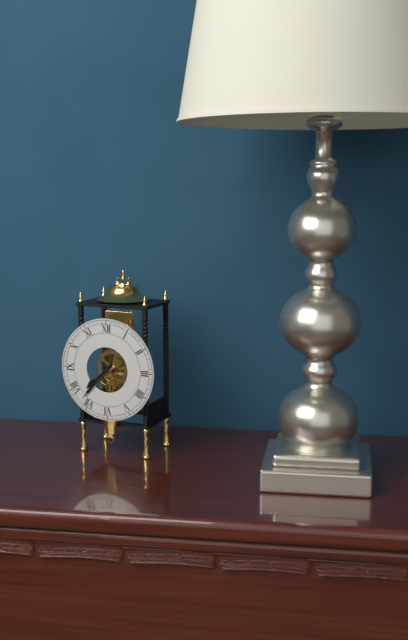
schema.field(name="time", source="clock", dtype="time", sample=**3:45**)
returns **7:37**
